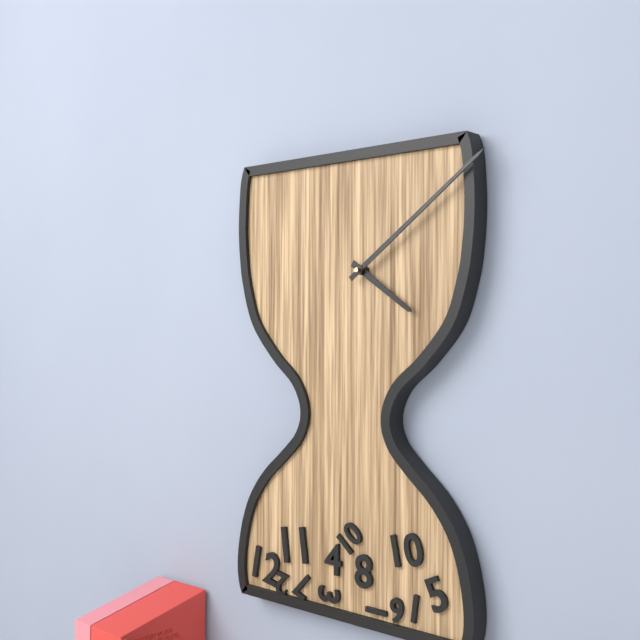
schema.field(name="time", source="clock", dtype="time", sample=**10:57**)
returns **4:09**
